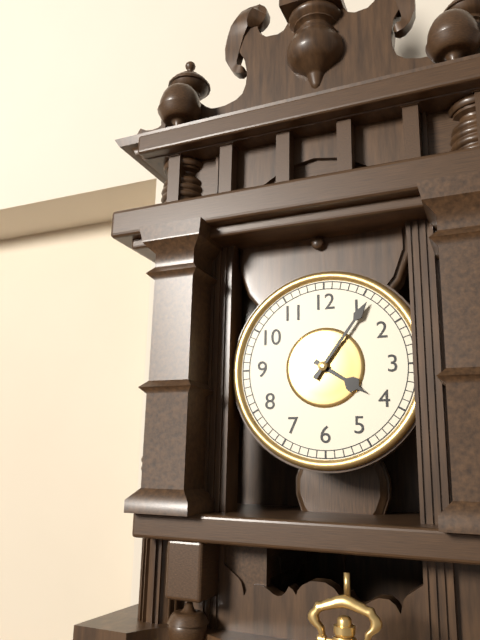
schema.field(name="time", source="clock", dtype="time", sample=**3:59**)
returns **4:06**
